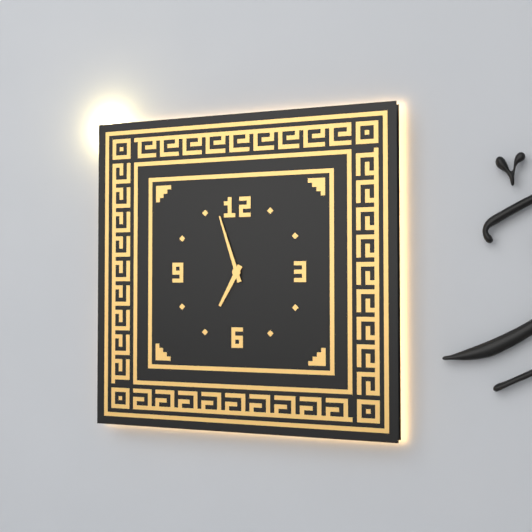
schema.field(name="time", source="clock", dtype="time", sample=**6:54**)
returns **6:57**
